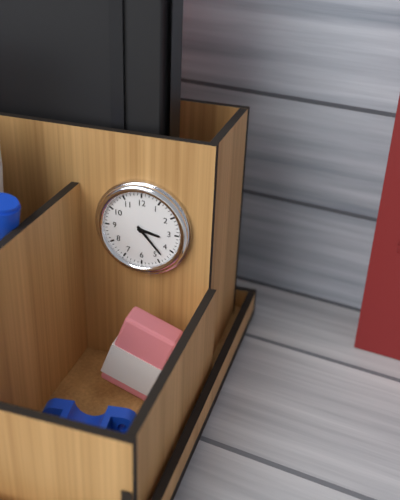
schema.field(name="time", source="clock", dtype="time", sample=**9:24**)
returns **3:23**
